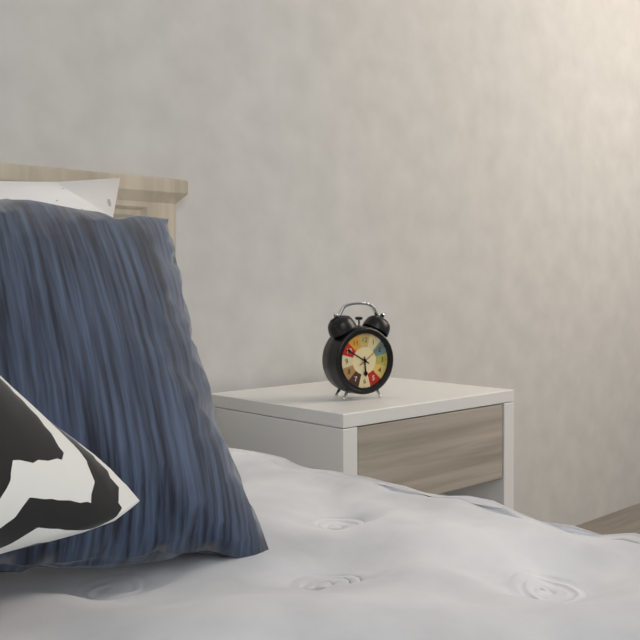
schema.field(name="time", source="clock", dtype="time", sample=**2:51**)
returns **5:50**
